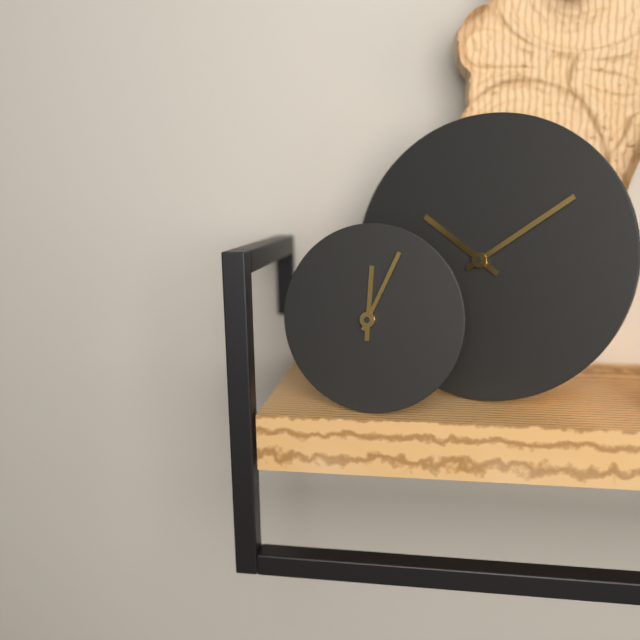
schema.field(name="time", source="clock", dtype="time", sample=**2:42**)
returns **12:04**
